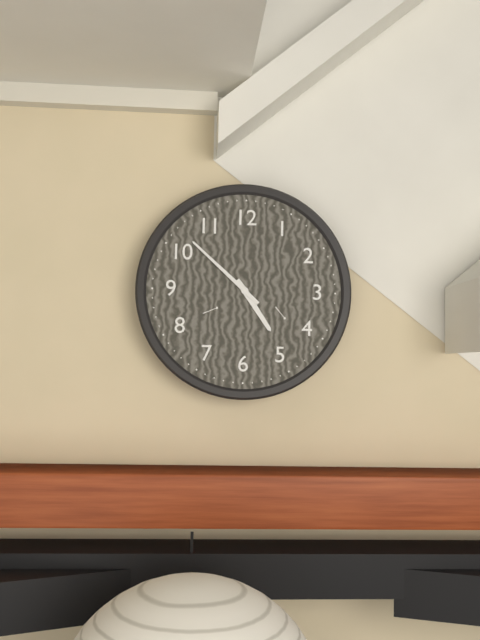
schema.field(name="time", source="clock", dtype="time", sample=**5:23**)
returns **4:52**
